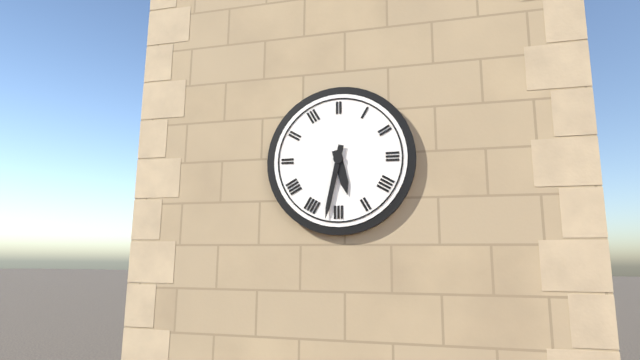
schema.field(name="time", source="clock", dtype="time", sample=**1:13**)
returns **5:32**
